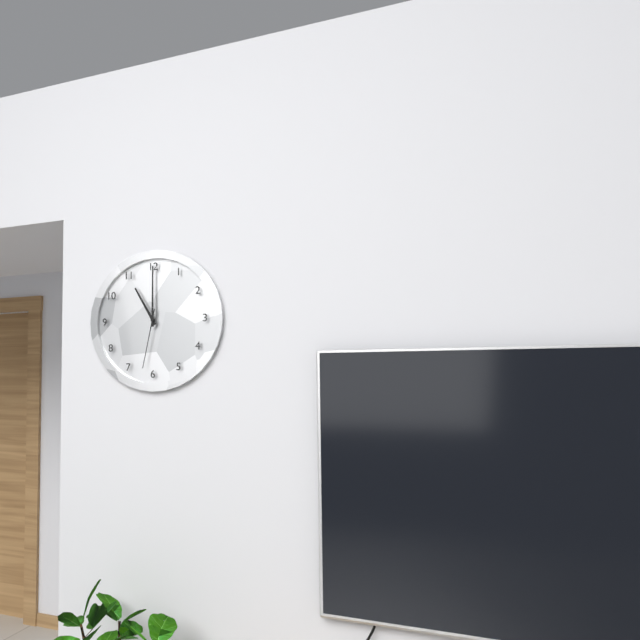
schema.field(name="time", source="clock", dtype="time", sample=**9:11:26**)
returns **11:00:32**
